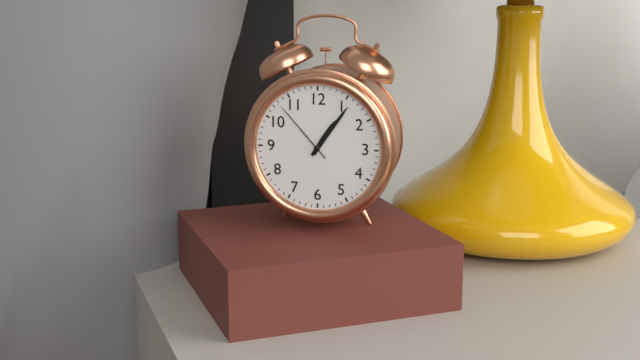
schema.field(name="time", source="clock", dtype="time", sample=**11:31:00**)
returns **1:06:53**
